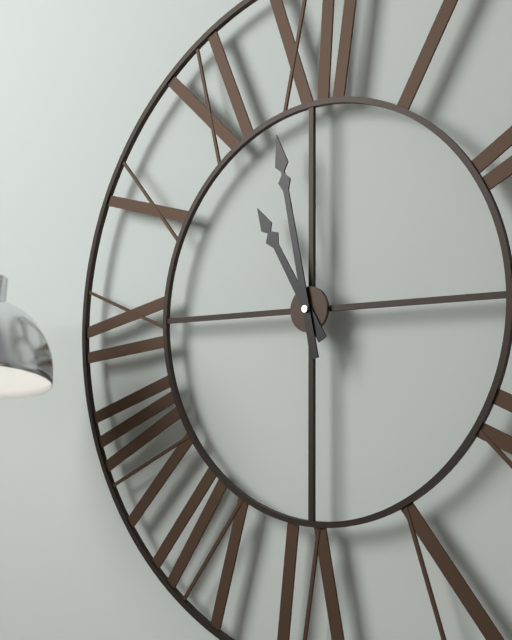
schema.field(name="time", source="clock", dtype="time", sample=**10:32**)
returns **10:58**
